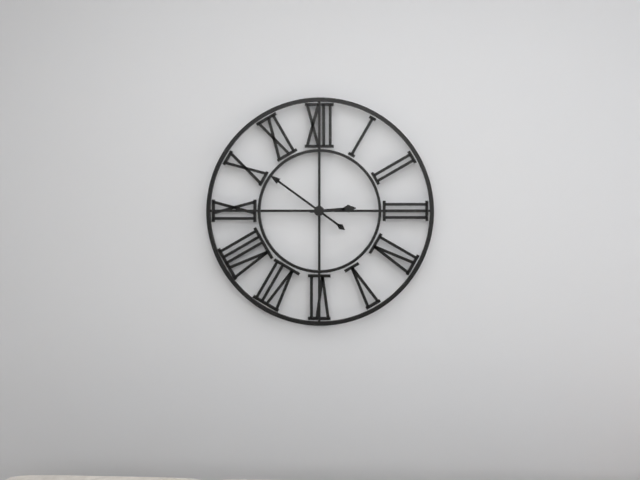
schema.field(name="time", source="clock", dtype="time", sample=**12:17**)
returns **2:51**
